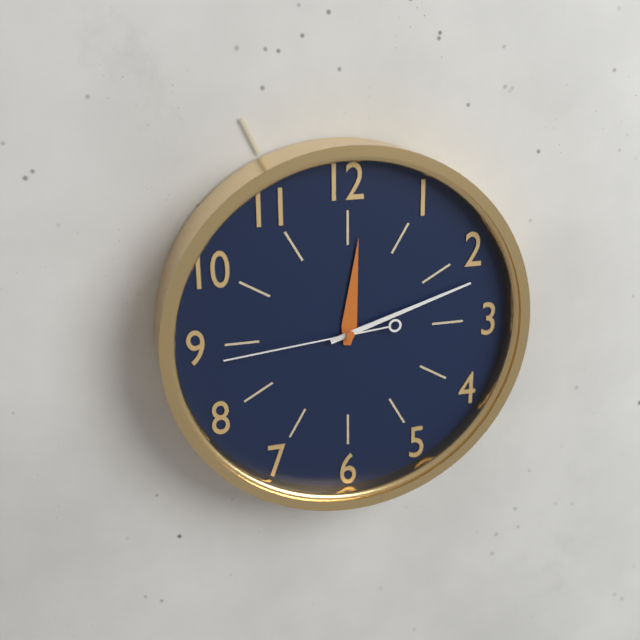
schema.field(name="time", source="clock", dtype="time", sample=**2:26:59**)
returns **12:12:44**
